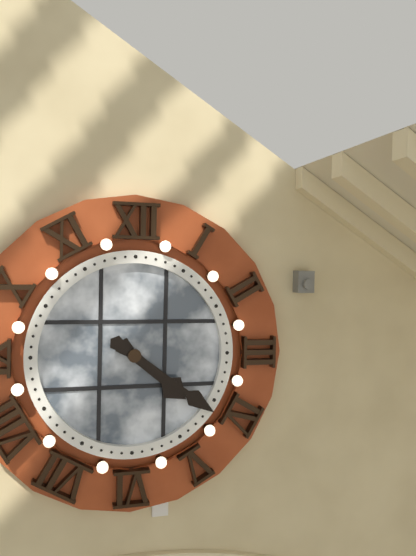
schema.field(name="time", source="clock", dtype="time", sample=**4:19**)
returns **4:21**
